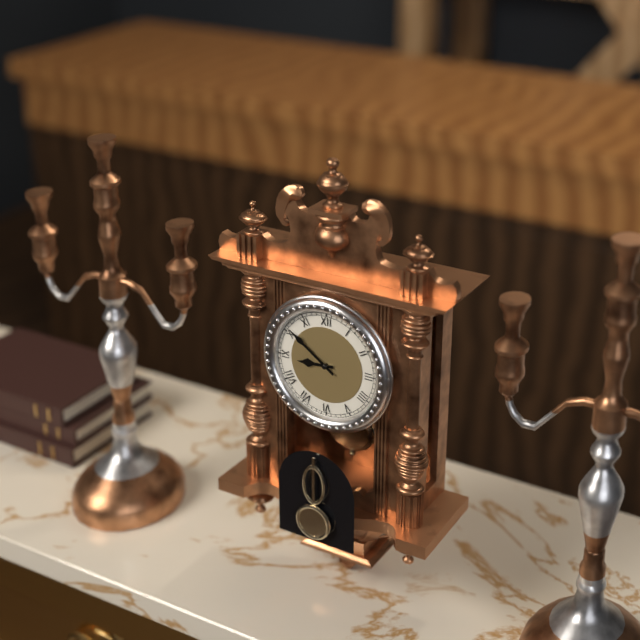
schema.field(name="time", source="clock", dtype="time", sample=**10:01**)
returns **8:51**
